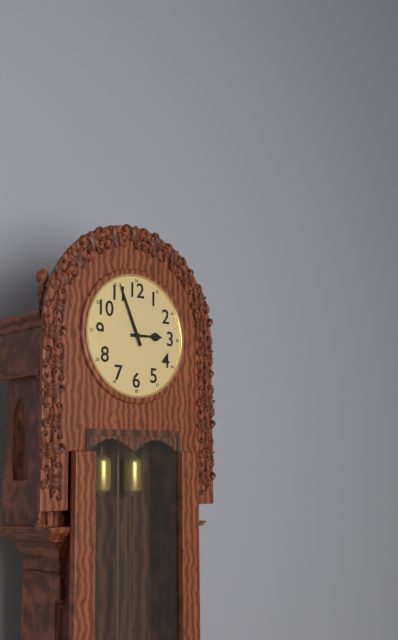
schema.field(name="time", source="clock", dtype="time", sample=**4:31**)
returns **2:56**
